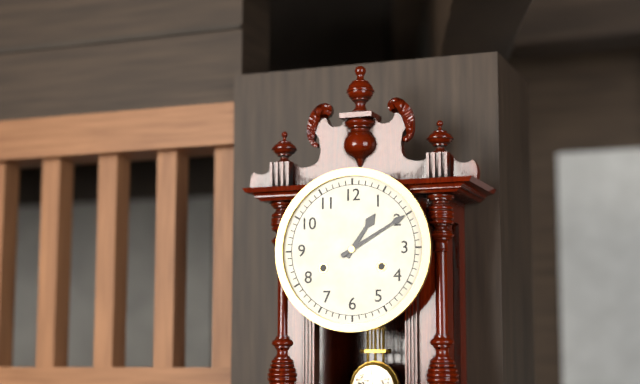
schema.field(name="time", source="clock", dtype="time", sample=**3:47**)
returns **1:10**
